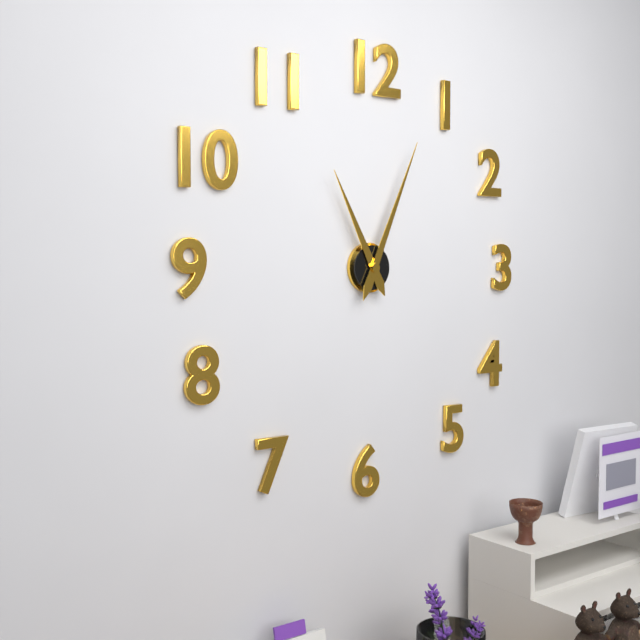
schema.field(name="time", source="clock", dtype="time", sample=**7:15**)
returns **11:04**
